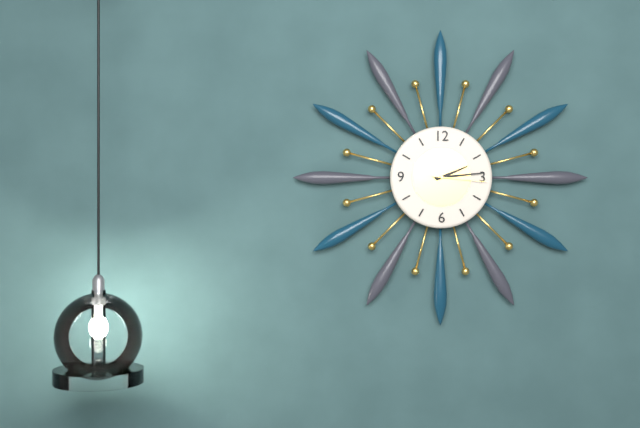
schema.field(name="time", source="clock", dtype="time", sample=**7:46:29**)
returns **2:14:16**
